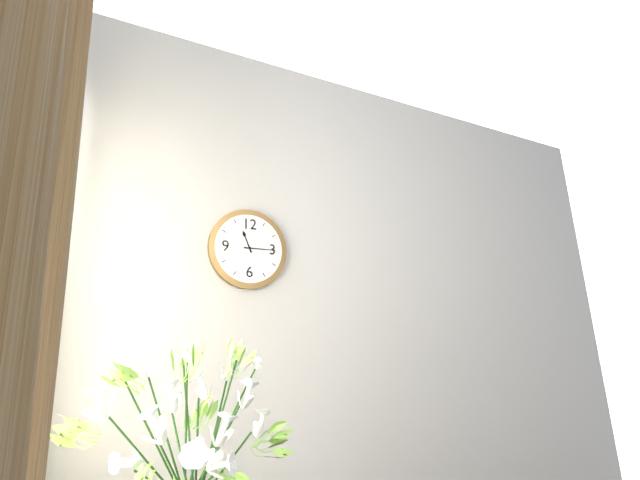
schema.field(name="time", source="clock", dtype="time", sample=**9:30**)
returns **11:15**
